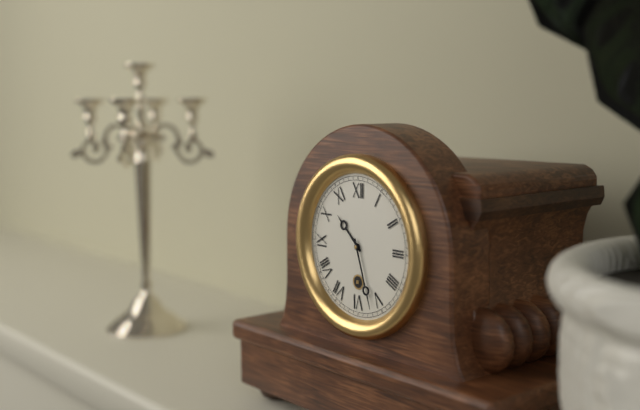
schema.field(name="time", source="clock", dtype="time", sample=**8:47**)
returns **10:27**
